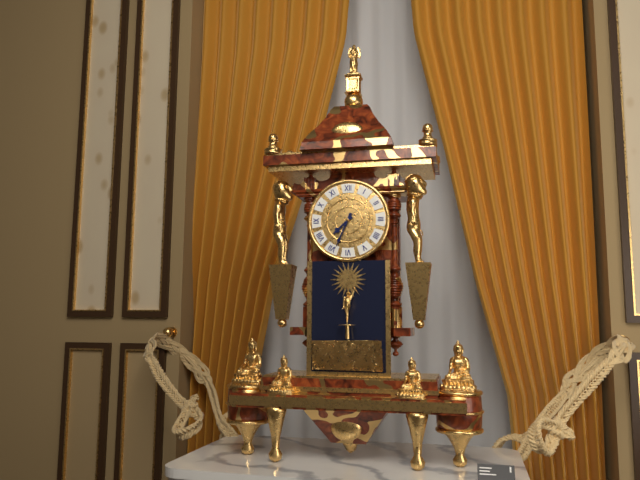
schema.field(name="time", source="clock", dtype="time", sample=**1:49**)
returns **7:34**
